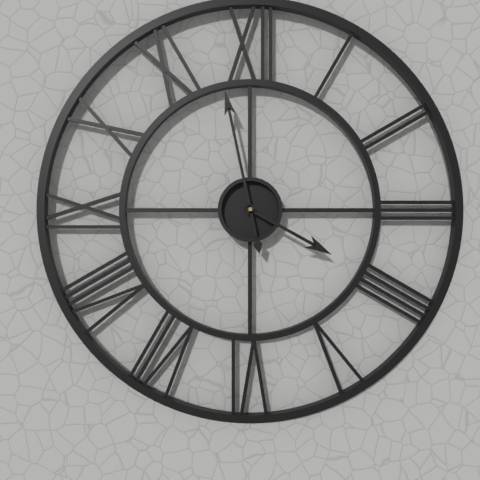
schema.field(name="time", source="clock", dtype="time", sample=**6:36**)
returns **3:58**
